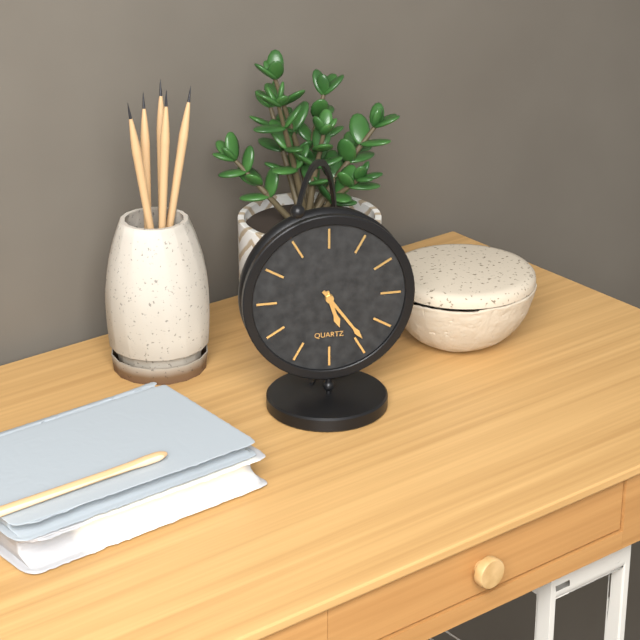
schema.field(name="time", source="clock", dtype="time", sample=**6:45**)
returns **5:24**
